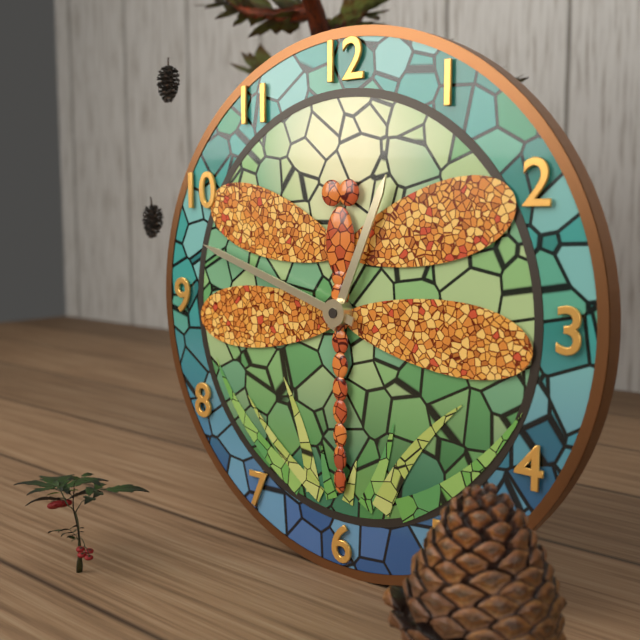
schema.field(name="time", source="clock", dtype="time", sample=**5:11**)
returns **12:48**
